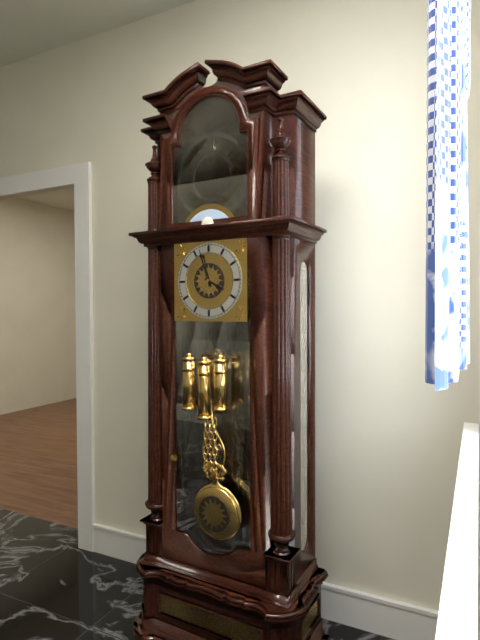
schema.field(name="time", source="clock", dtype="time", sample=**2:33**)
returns **3:57**
